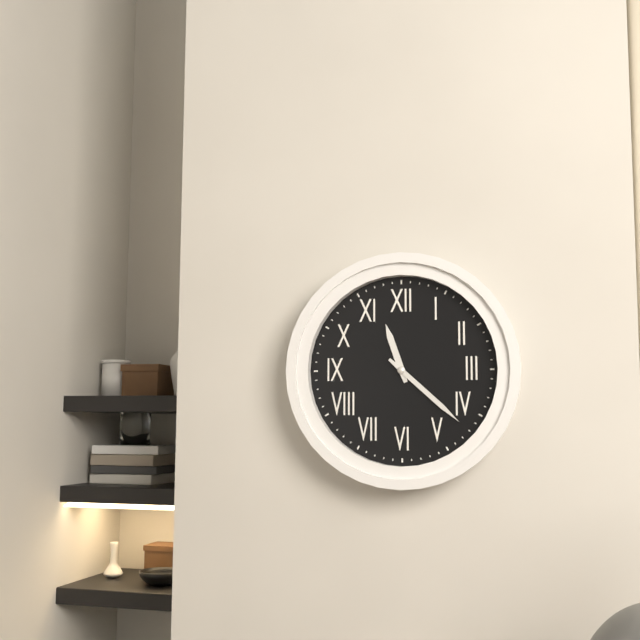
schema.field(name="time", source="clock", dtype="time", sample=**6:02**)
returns **11:22**
